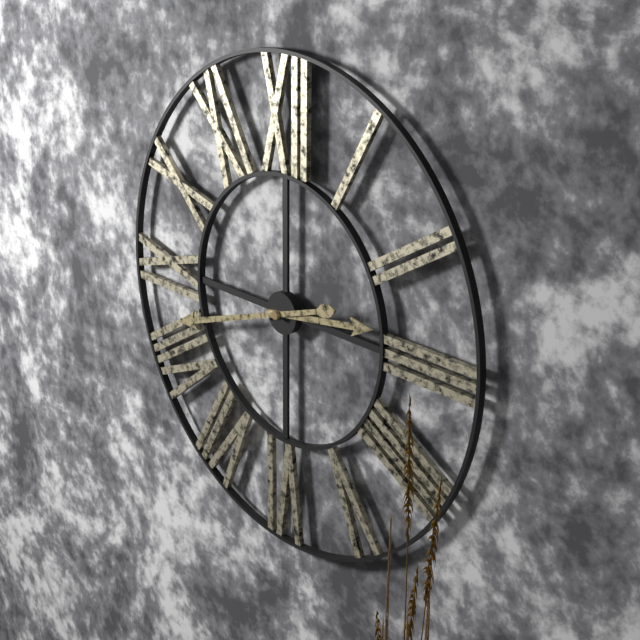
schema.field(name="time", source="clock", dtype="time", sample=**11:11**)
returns **2:42**
